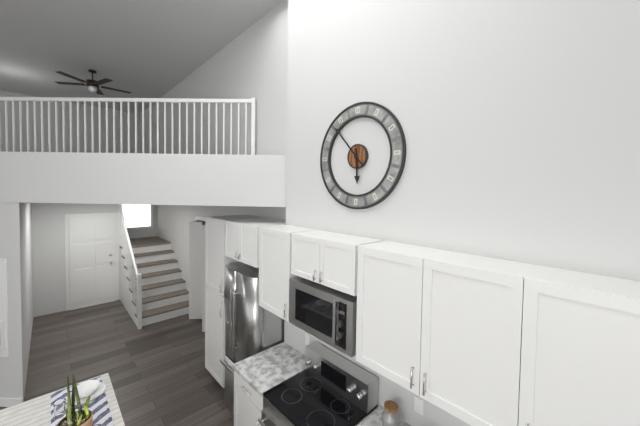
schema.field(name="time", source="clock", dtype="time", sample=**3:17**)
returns **5:53**
